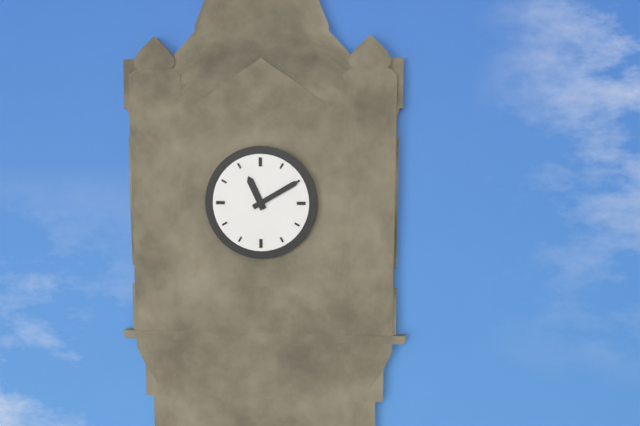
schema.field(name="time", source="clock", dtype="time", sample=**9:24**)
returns **11:10**
